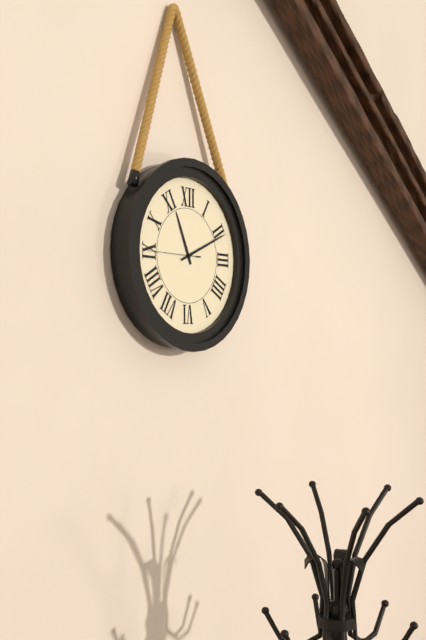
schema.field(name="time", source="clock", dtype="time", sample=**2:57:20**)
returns **11:11:45**
